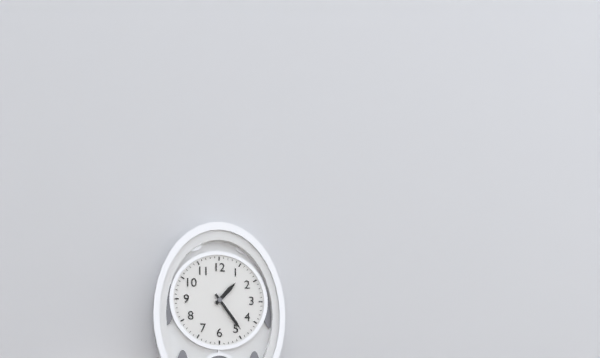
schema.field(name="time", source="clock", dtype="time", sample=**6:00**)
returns **1:24**
